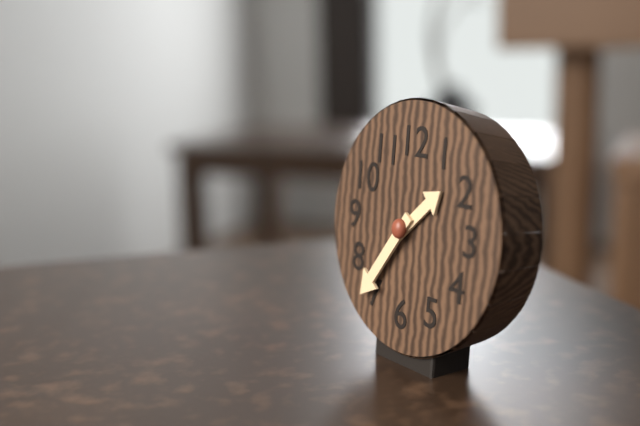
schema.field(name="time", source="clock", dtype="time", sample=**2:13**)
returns **1:36**
